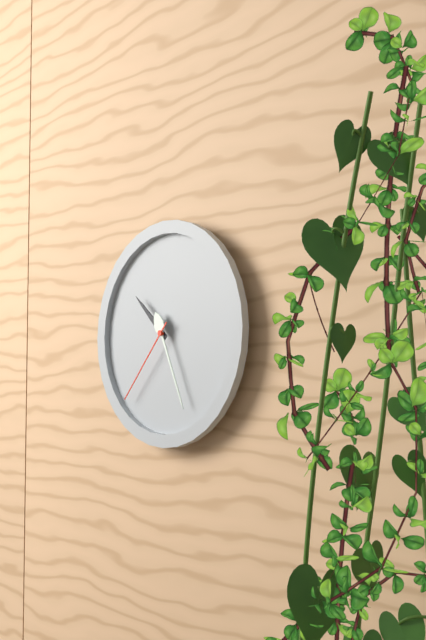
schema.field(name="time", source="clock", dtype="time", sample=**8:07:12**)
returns **10:26:37**
